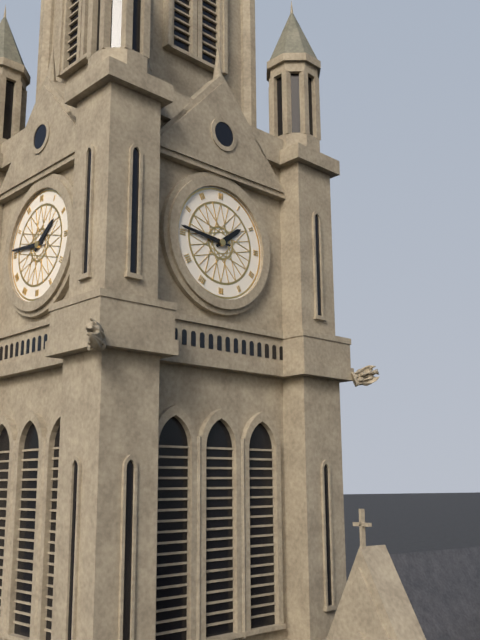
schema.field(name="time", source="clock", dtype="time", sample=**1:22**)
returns **1:46**
